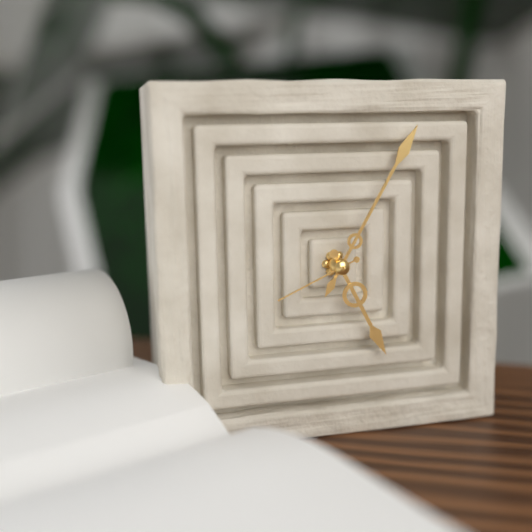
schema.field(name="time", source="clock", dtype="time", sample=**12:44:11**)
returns **5:05:41**
